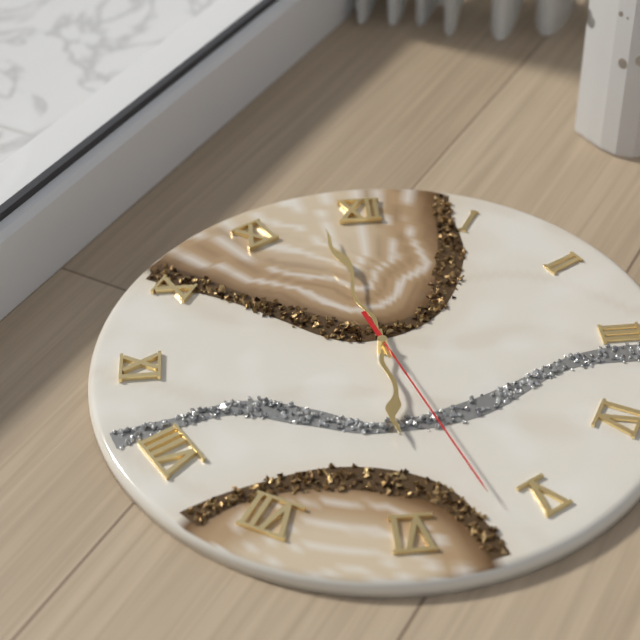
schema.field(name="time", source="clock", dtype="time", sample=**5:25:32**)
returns **5:58:27**
